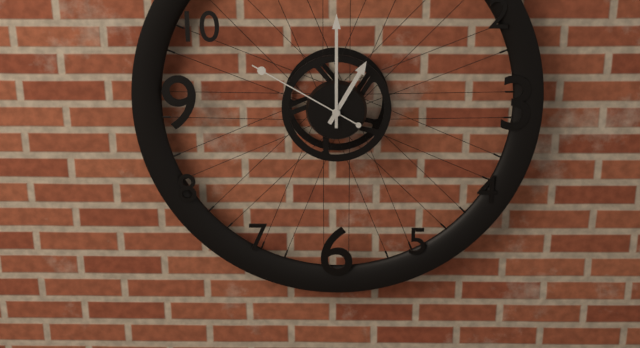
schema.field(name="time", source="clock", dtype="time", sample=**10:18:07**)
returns **1:00:50**
